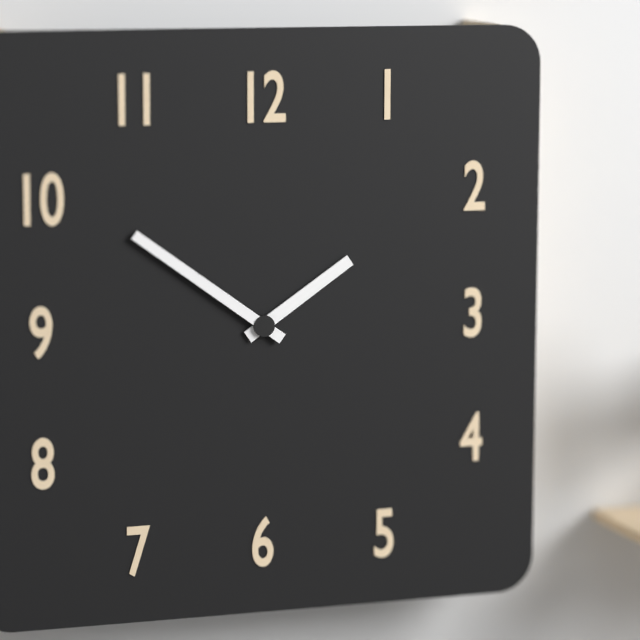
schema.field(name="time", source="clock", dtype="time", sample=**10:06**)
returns **1:51**
